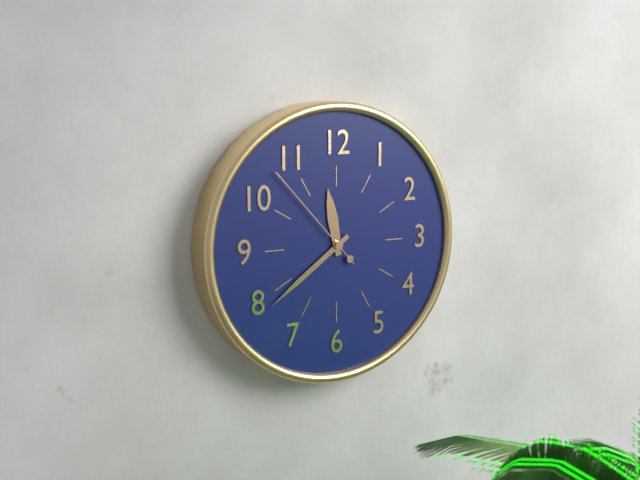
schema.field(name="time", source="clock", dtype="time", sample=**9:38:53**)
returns **11:39:53**
